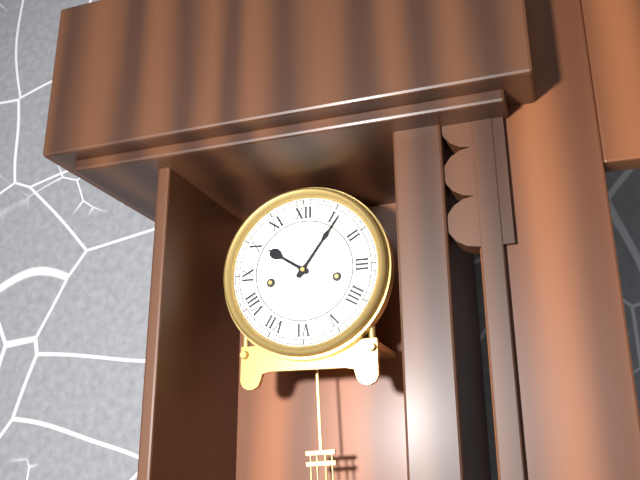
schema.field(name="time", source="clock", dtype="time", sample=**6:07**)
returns **10:06**
